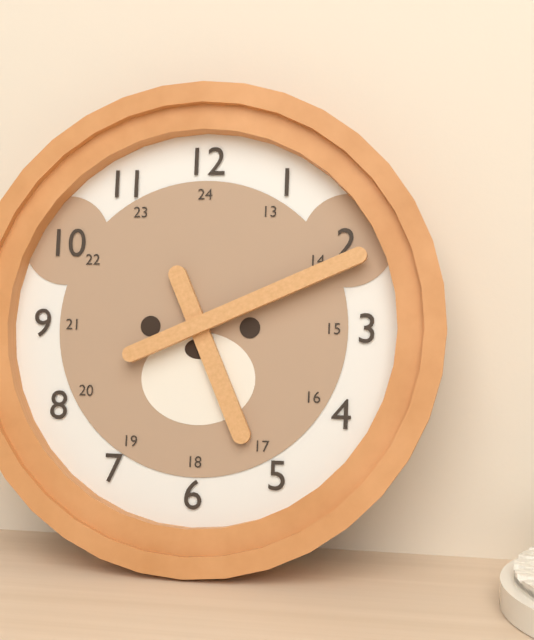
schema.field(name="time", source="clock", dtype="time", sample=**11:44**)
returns **5:11**
